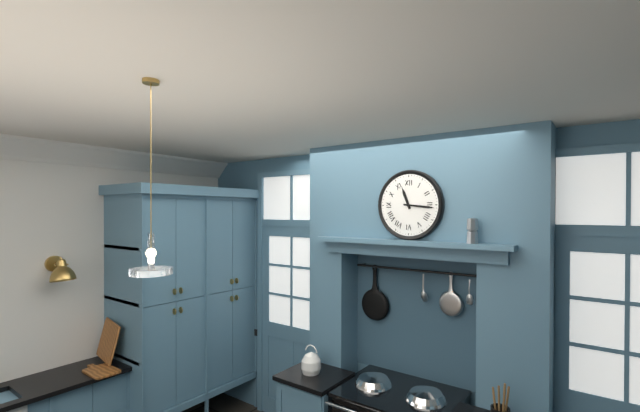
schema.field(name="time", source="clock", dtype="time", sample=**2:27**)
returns **11:16**
